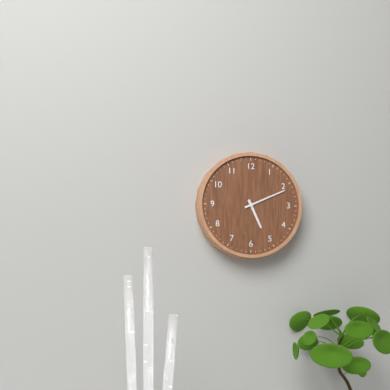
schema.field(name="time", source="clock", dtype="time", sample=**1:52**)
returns **5:11**
